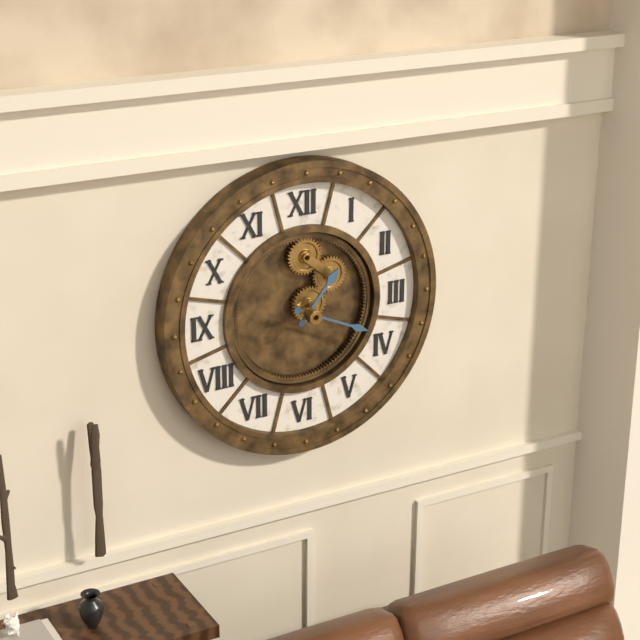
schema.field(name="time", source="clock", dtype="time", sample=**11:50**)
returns **1:19**
